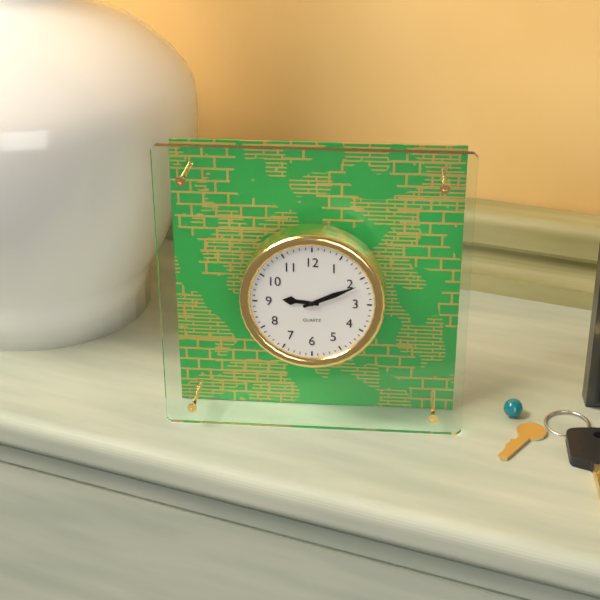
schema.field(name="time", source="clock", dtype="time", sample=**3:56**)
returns **9:11**
